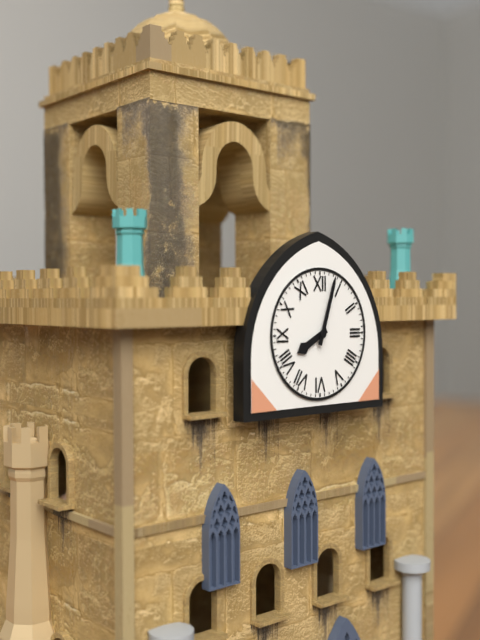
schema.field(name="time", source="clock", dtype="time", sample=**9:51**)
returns **8:03**
